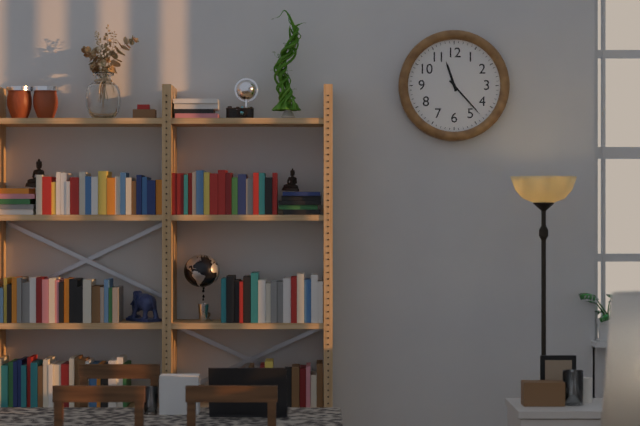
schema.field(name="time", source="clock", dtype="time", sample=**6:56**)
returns **11:23**
